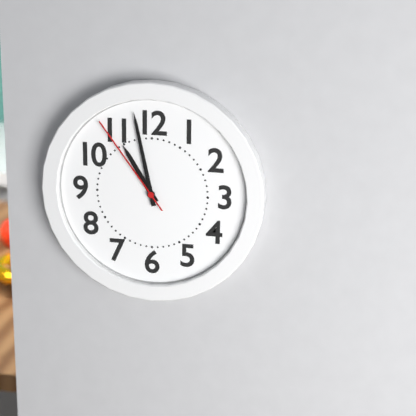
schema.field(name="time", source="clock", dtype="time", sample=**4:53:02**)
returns **10:58:54**
